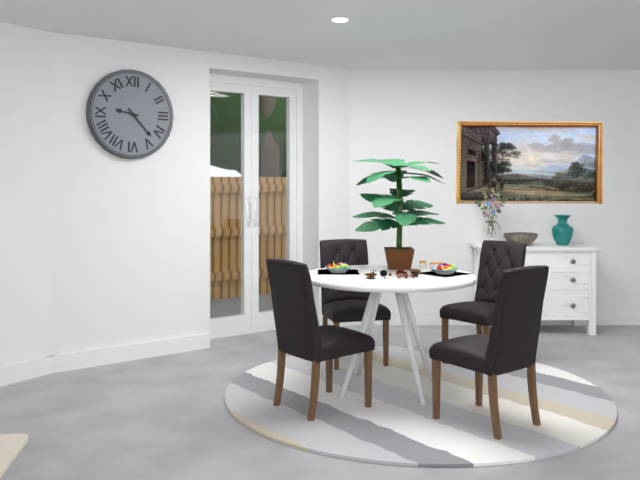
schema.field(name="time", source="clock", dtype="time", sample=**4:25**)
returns **9:23**
